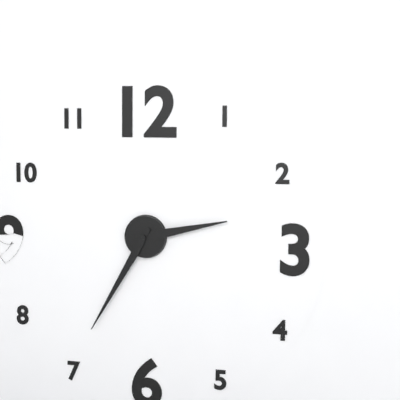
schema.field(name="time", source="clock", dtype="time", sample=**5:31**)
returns **2:35**
